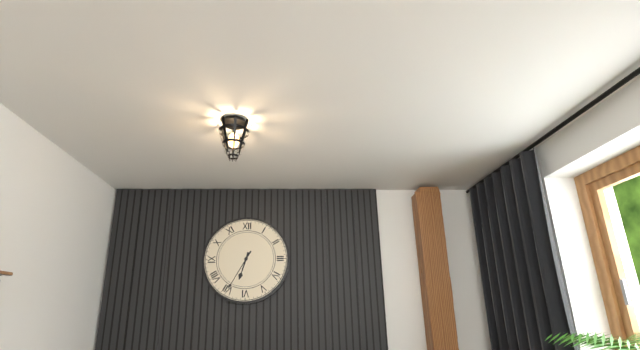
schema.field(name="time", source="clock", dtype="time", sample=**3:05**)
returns **6:35**
